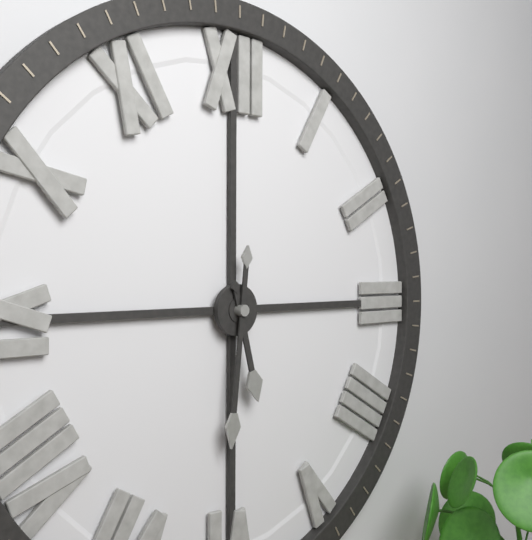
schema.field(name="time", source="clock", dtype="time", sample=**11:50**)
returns **5:31**
